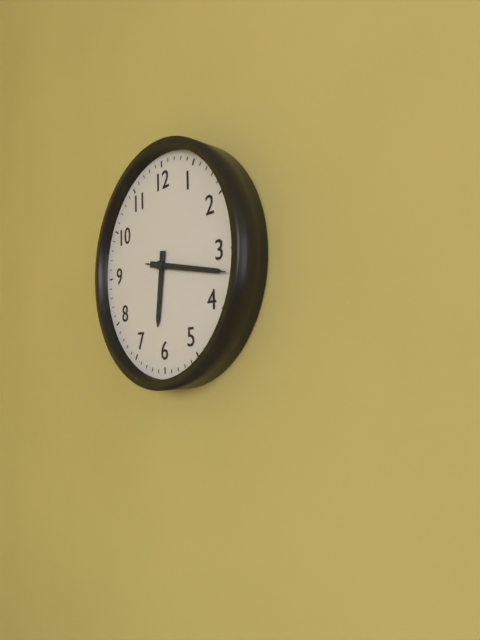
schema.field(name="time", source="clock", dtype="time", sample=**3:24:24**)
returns **6:17:17**
